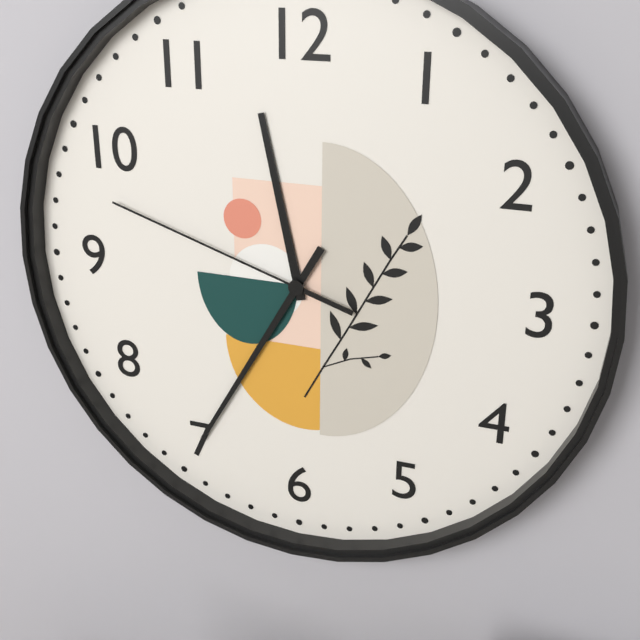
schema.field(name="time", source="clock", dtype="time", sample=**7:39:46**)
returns **11:35:48**
